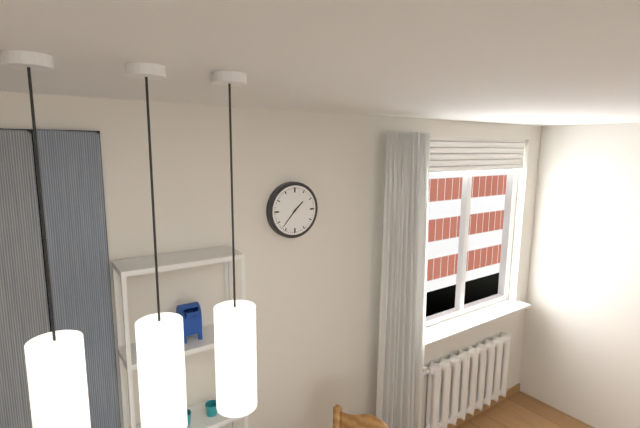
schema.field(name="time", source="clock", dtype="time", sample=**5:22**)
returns **1:37**
